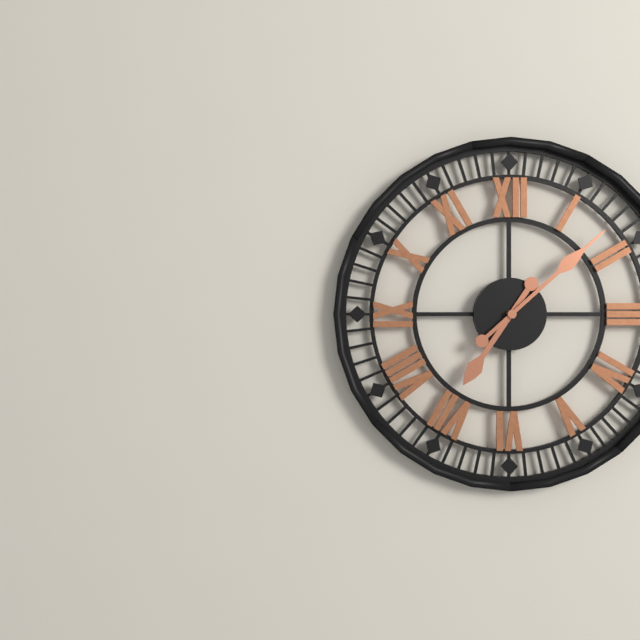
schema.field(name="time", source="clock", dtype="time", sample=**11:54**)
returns **7:08**
